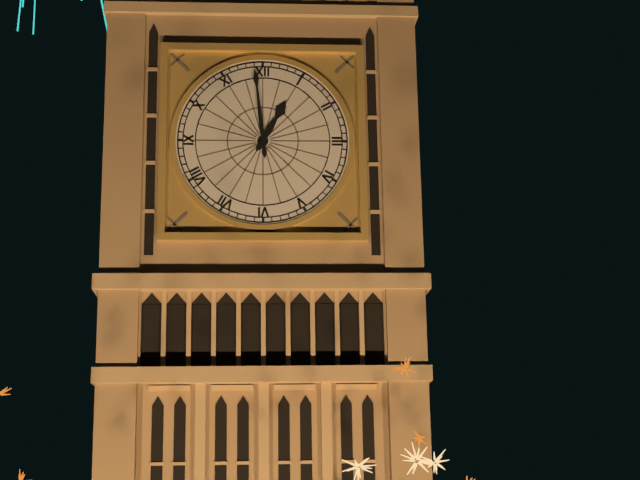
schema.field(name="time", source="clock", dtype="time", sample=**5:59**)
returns **12:59**
